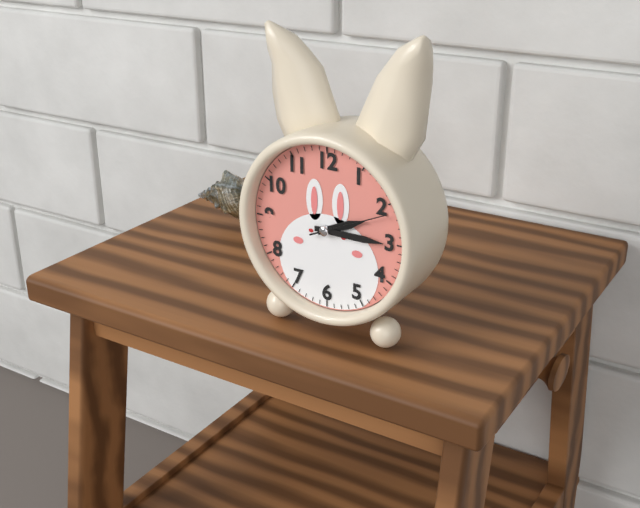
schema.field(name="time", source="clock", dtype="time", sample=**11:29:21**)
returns **2:15:11**
